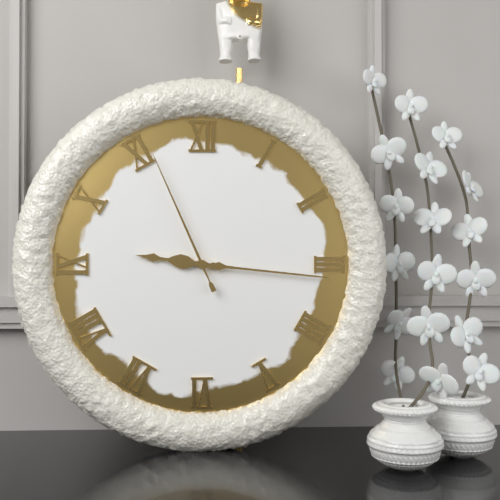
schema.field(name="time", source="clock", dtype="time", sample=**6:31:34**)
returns **9:16:56**
